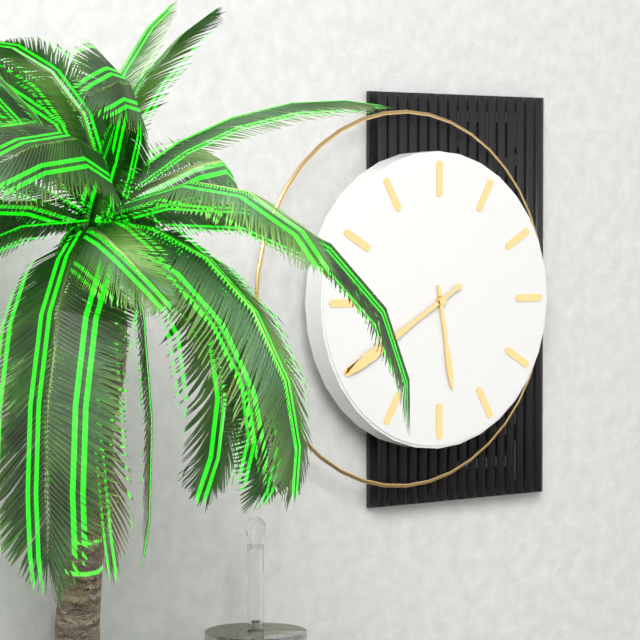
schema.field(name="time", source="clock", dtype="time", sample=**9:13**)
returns **5:40**
